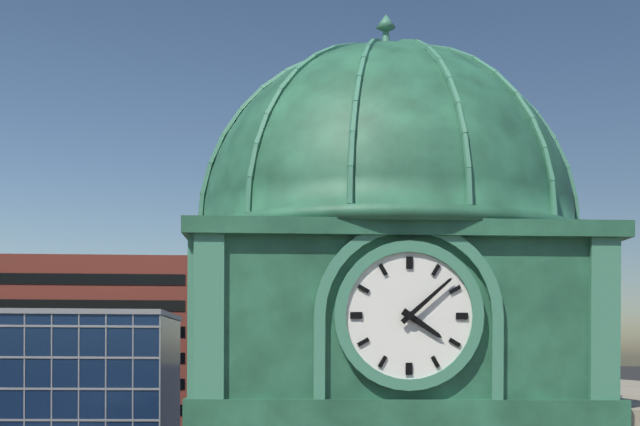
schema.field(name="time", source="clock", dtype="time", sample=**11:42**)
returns **4:08**
